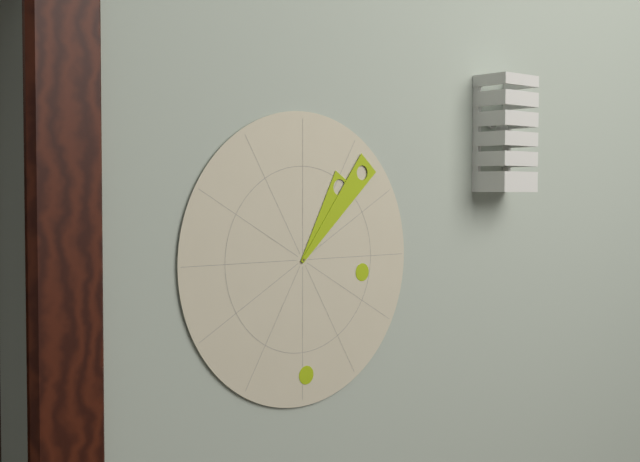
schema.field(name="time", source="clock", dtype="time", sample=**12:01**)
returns **1:07**
